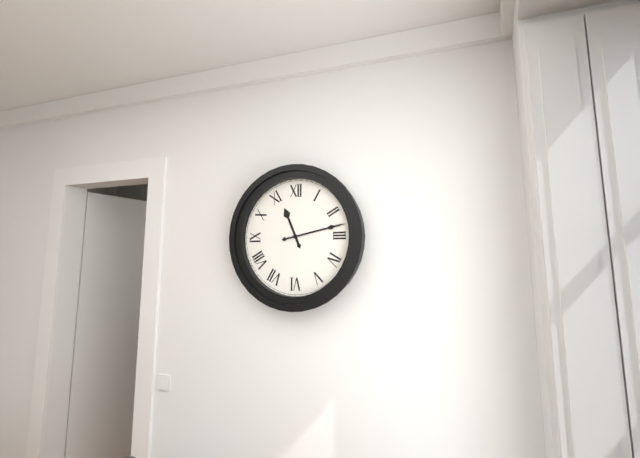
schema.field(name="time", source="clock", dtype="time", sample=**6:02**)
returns **11:13**
